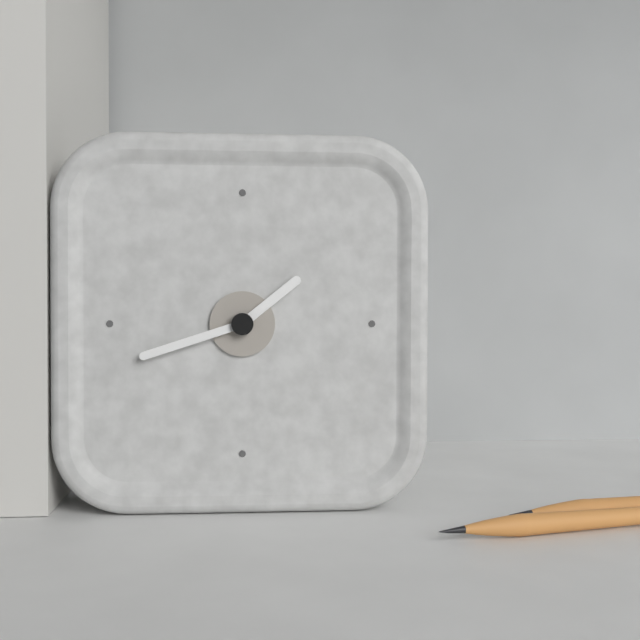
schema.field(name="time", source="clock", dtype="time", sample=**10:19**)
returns **1:42**
